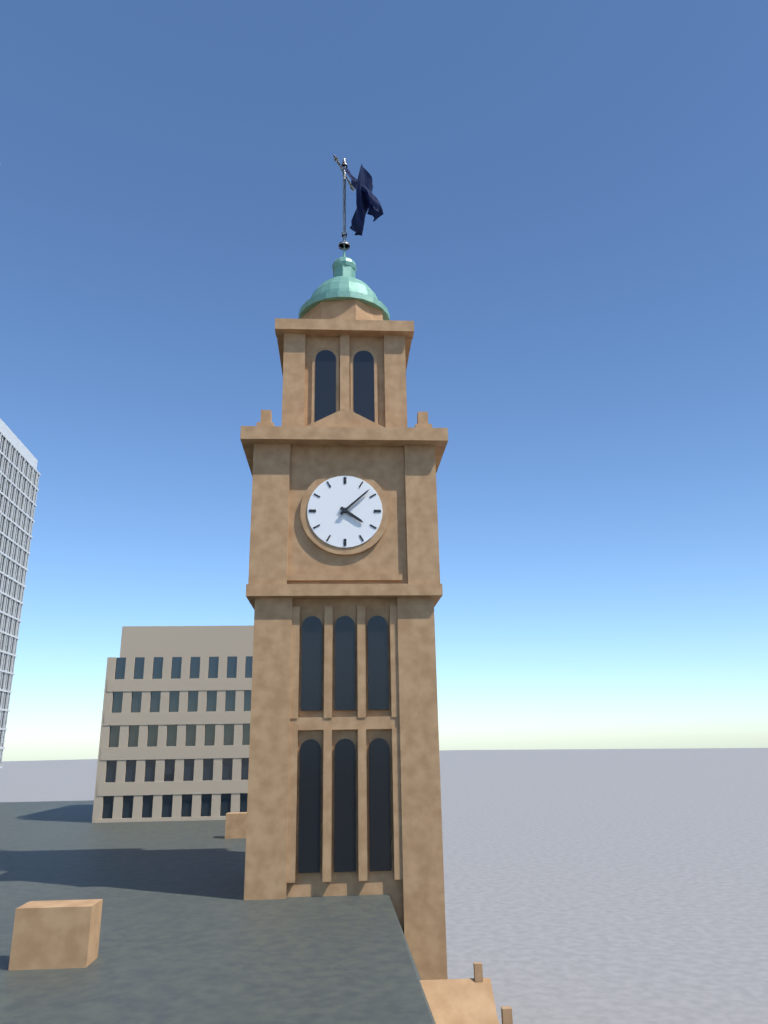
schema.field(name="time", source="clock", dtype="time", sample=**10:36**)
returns **4:08**
